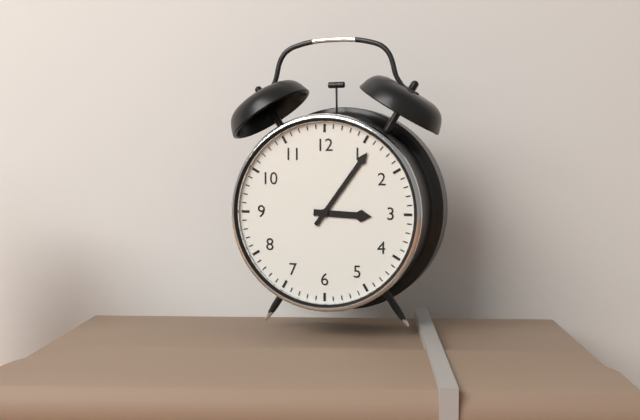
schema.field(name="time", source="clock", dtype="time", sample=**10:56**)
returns **3:06**
